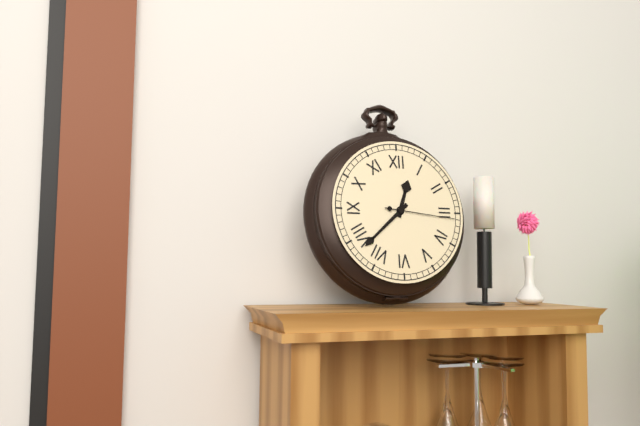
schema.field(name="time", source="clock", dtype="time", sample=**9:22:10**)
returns **12:38:16**
